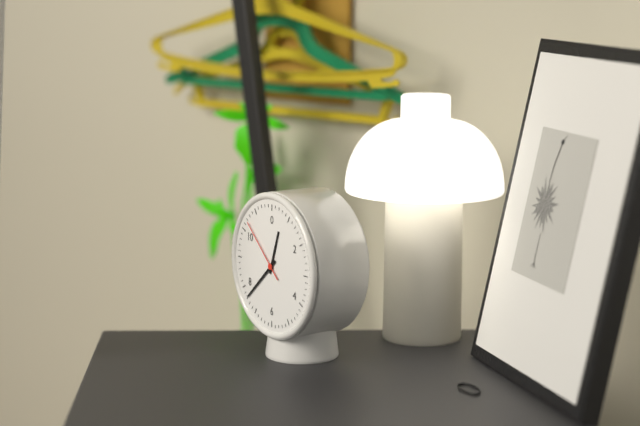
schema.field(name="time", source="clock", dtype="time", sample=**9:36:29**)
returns **12:38:52**
